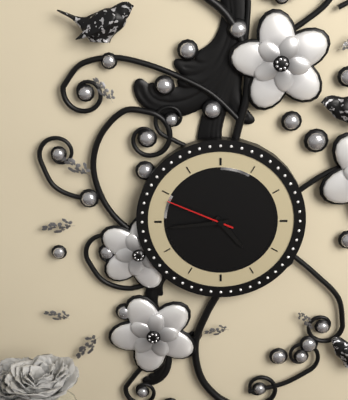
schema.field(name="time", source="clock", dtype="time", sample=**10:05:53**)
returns **4:44:49**
